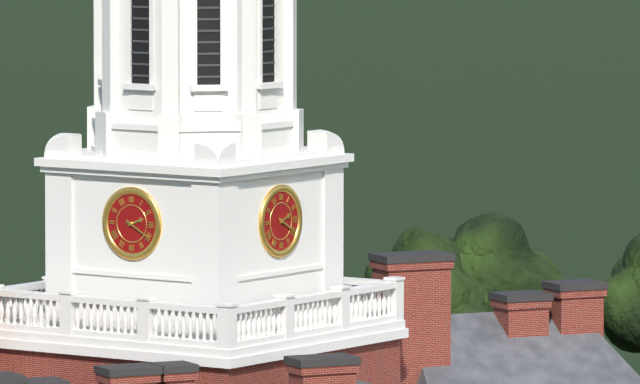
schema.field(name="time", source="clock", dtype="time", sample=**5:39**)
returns **2:20**
